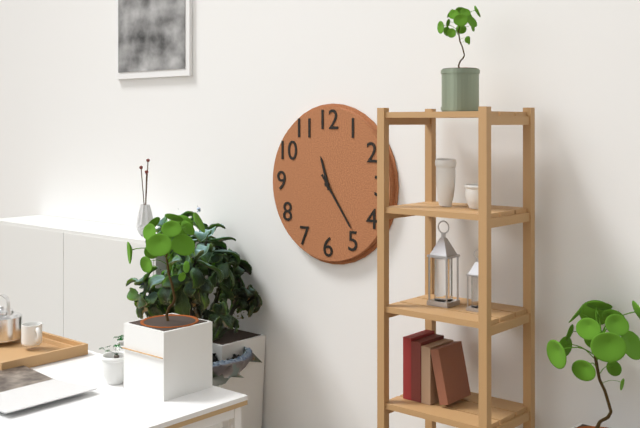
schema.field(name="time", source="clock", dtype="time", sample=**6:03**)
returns **11:24**
